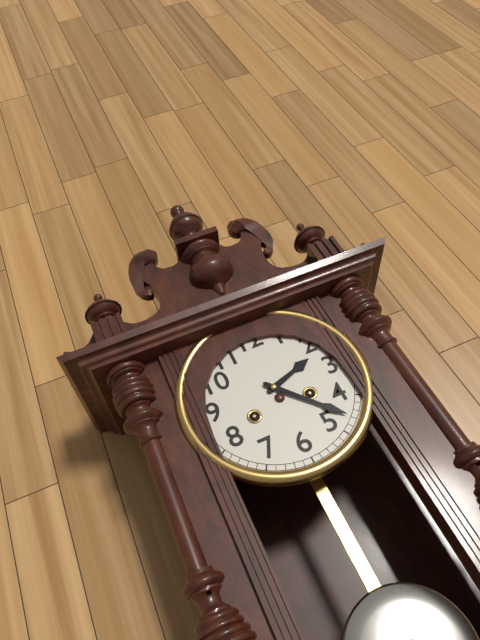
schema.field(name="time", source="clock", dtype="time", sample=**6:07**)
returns **2:23**
